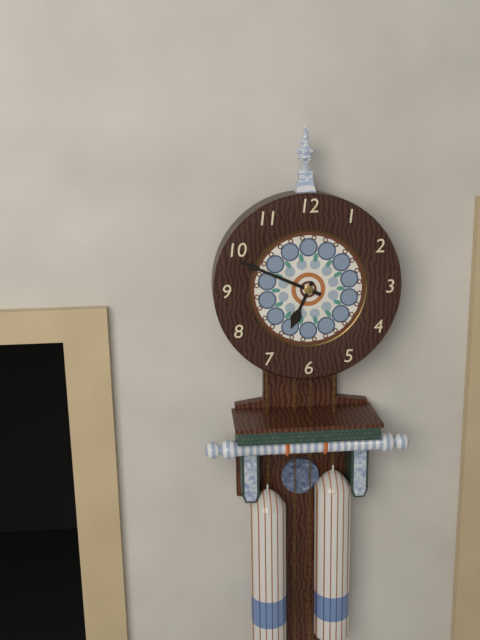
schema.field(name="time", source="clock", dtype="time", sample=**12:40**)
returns **6:49**
